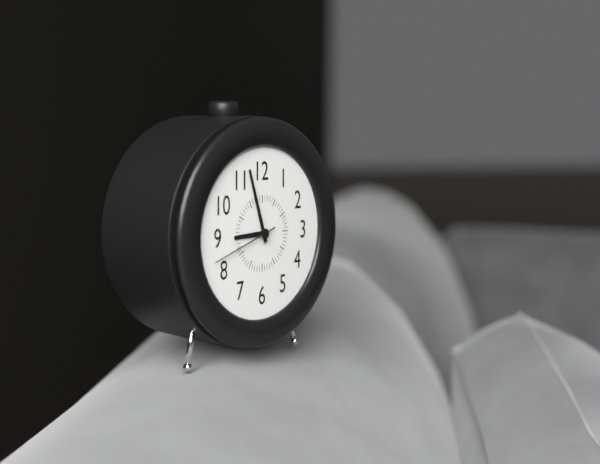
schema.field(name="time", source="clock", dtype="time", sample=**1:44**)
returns **8:57**
